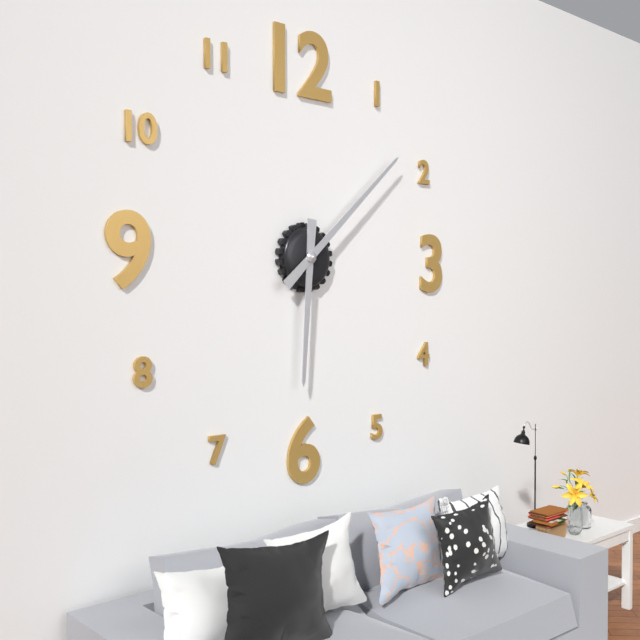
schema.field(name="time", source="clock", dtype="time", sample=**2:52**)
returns **6:08**
